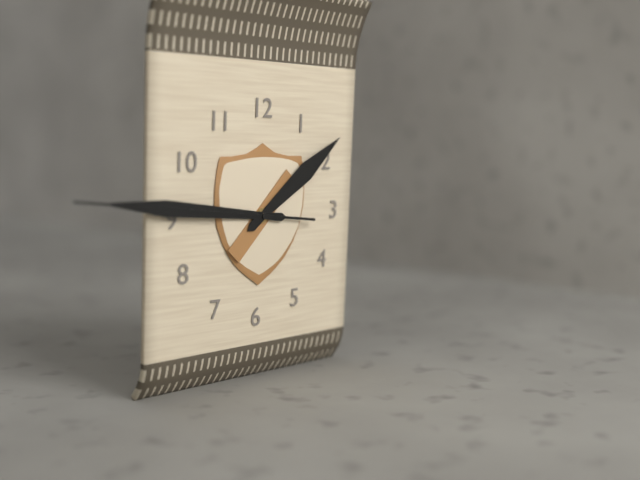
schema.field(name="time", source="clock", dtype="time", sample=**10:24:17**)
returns **1:46:46**
